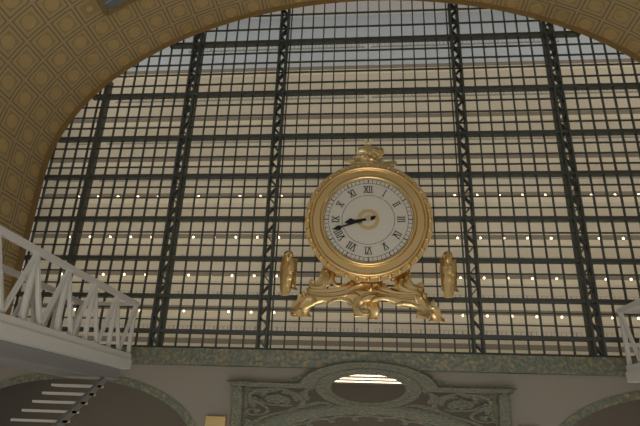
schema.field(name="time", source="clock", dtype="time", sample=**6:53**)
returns **8:42**
